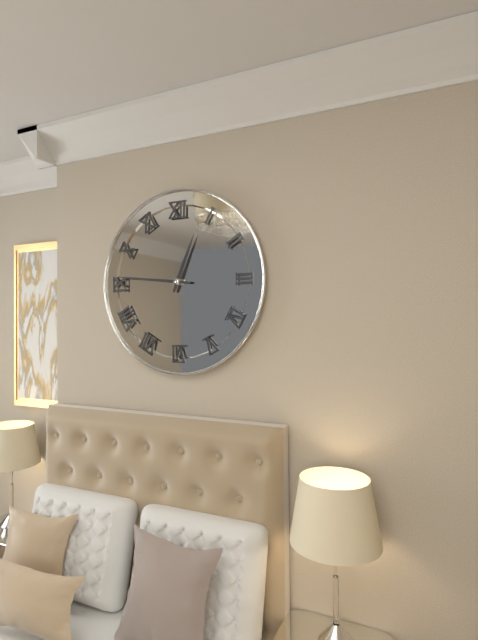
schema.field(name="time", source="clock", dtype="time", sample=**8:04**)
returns **12:46**
